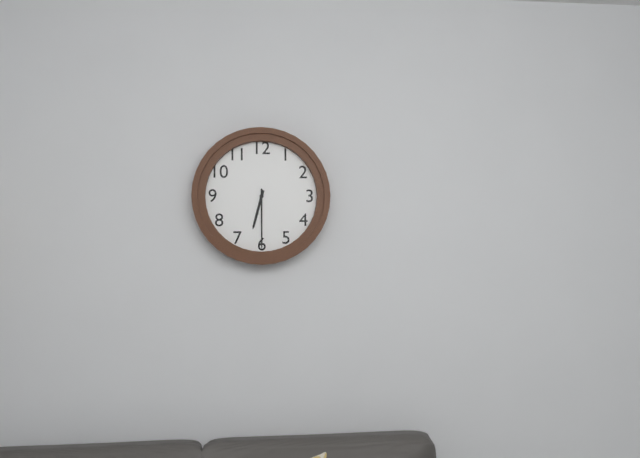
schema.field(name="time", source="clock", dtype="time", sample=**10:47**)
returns **6:30**
